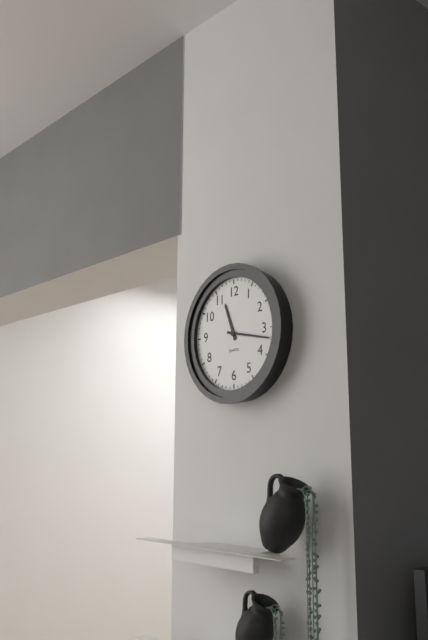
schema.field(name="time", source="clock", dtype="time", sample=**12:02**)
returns **11:17**
